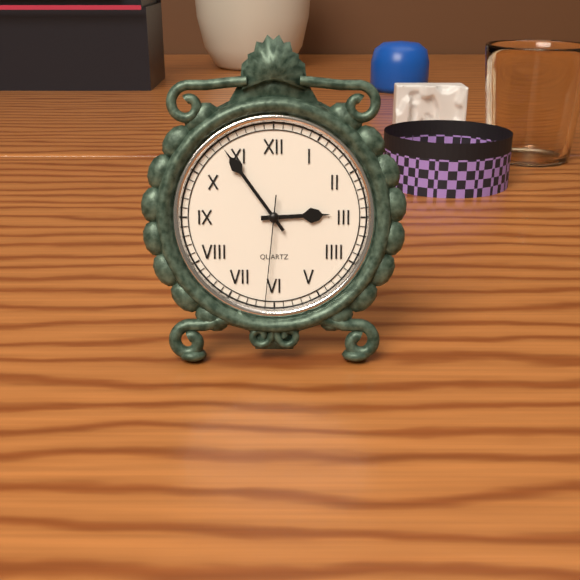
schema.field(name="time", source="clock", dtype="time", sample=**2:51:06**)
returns **2:54:31**
